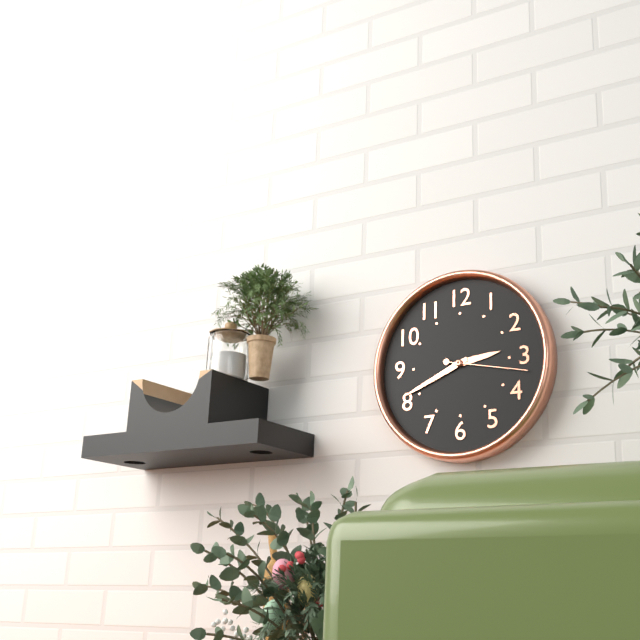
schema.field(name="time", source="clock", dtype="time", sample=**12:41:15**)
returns **2:41:17**
